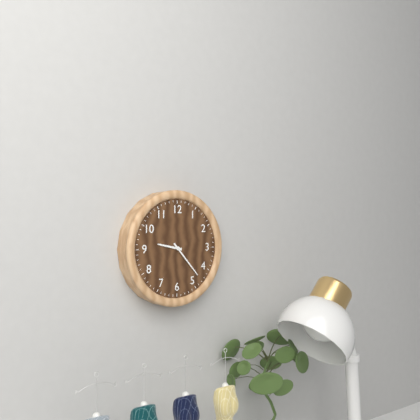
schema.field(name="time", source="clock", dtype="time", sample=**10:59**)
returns **9:23**
